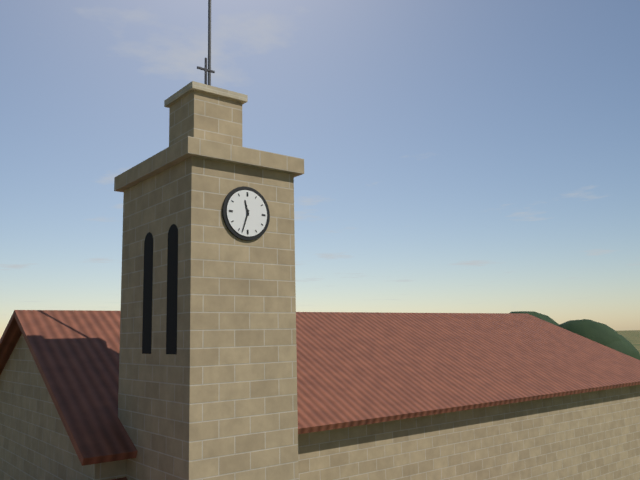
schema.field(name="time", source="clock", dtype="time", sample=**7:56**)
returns **11:33**
